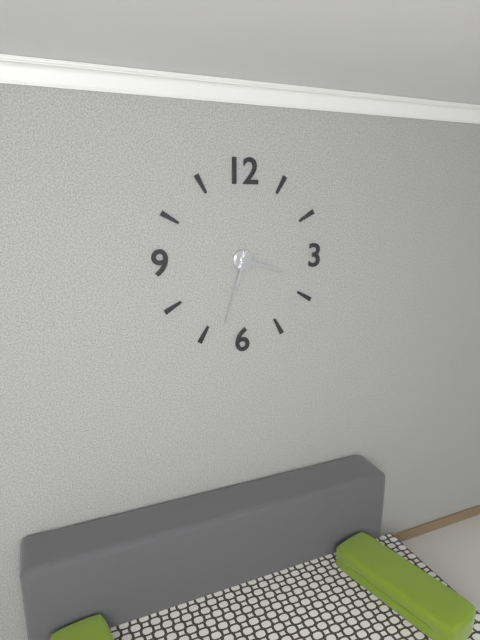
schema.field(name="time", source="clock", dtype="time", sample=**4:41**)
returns **3:33**
